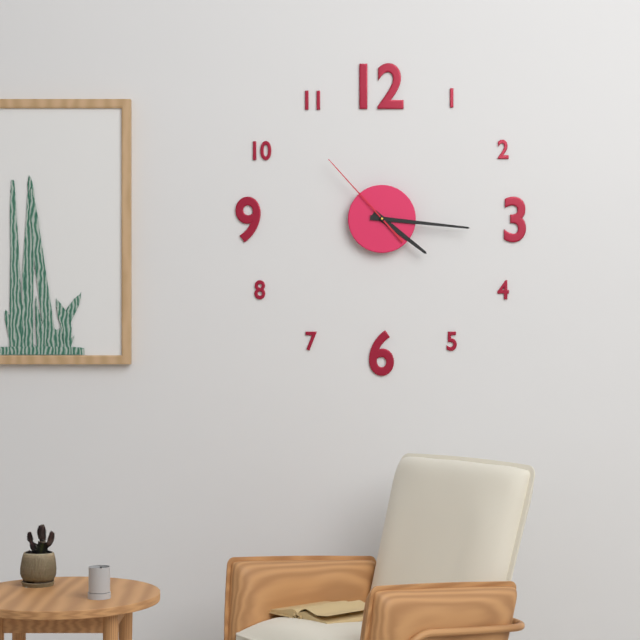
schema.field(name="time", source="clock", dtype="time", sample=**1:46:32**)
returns **4:16:53**
